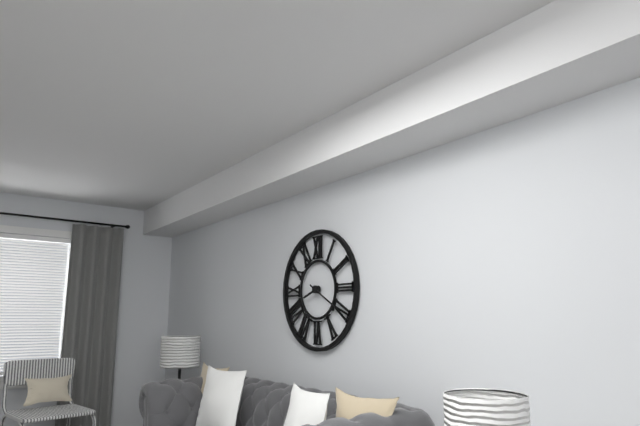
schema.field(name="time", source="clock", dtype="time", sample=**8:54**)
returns **8:20**
